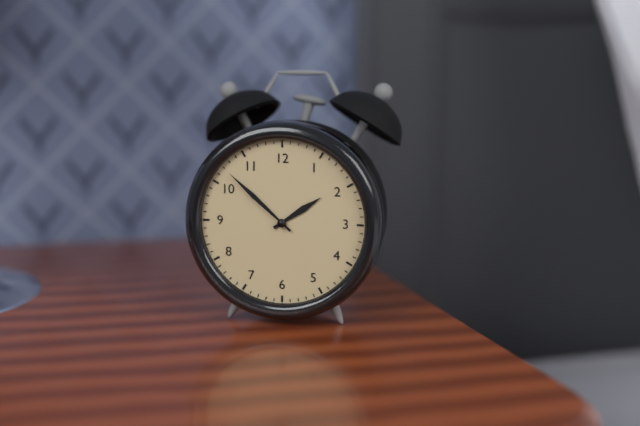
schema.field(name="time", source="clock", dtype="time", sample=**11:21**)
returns **1:52**
